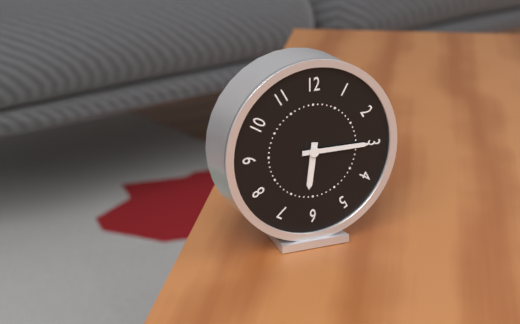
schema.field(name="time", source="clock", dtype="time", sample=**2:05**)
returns **6:15**
